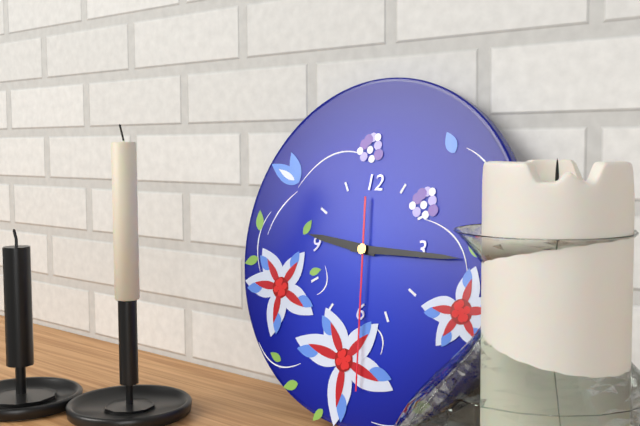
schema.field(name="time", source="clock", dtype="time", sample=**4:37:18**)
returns **9:15:29**
